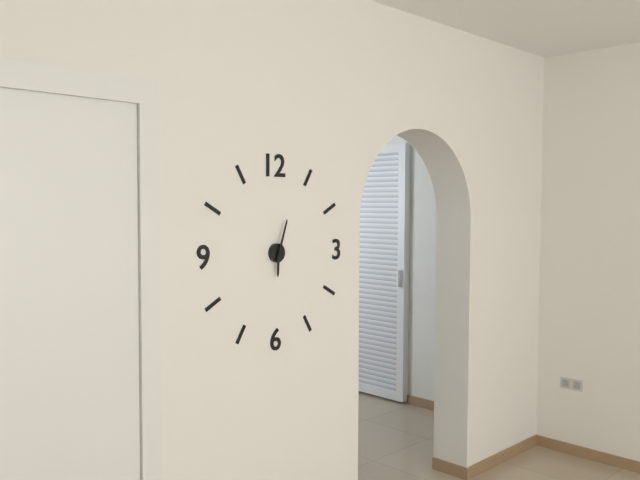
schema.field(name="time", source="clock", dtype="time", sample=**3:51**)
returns **6:03**
